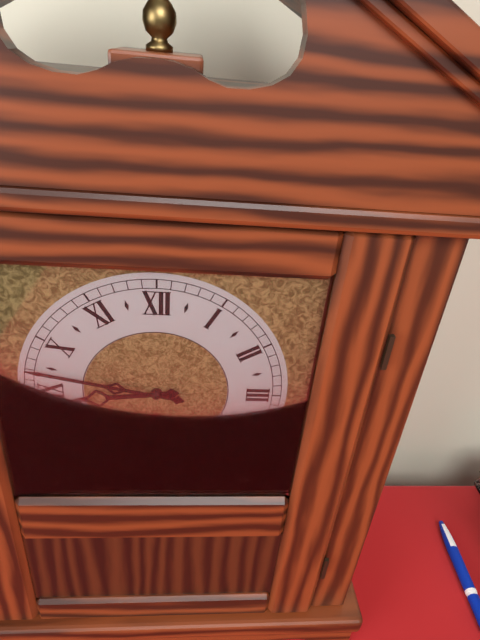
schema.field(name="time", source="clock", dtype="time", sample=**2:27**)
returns **8:47**
